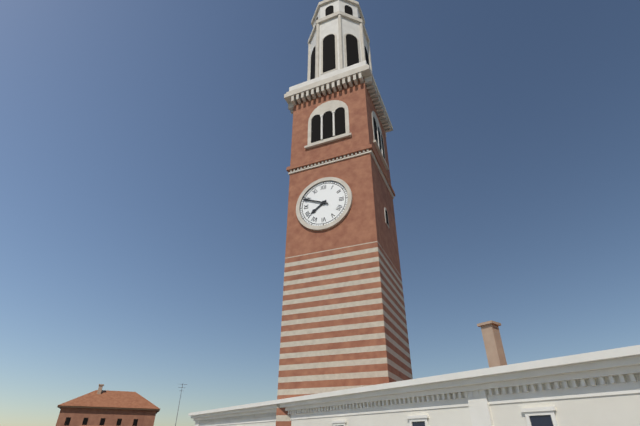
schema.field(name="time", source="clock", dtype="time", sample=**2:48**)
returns **7:49**
